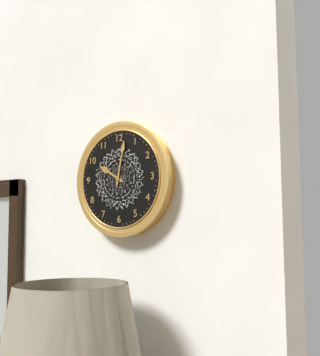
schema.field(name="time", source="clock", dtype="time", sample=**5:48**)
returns **10:02**
